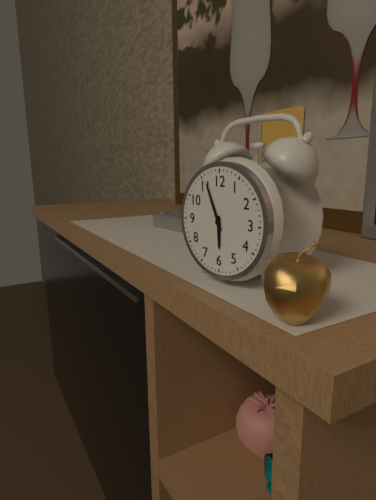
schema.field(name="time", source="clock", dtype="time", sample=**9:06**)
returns **5:56**
